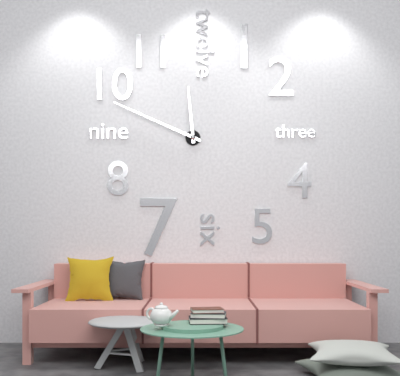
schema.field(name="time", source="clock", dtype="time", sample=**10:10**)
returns **11:49**
